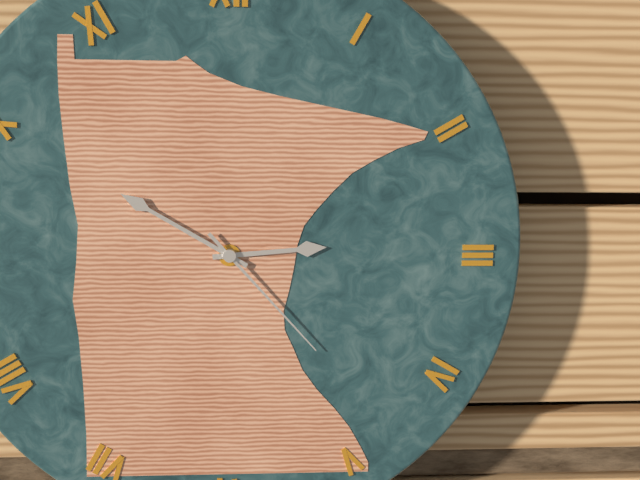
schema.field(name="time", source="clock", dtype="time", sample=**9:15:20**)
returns **2:50:23**
